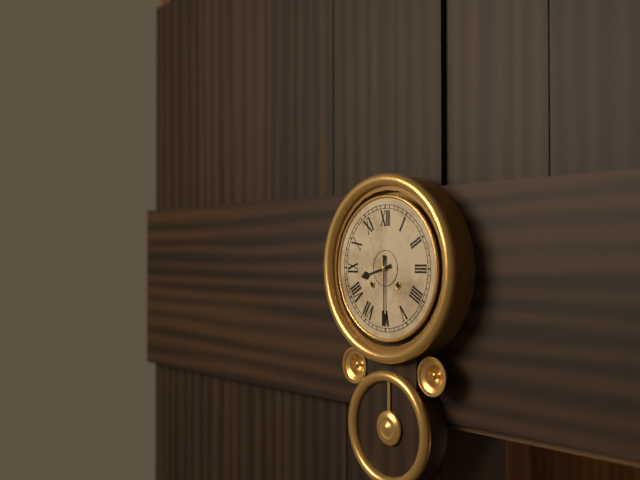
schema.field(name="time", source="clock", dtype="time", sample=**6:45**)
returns **8:30**
